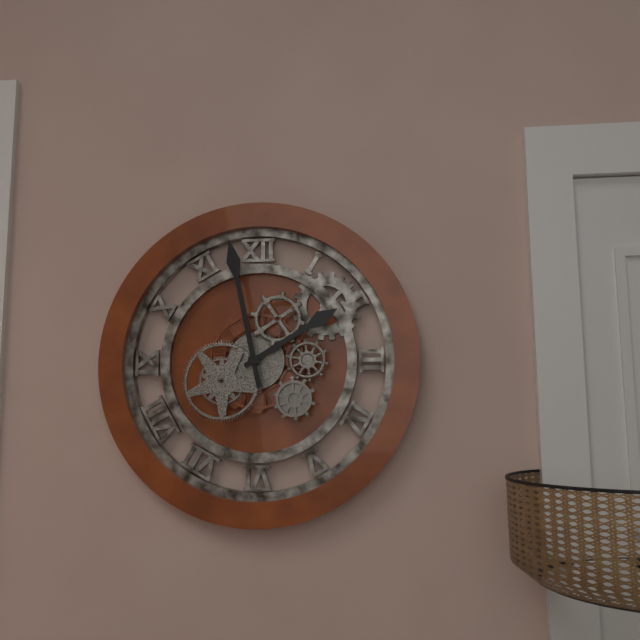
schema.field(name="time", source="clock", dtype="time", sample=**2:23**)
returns **1:58**
